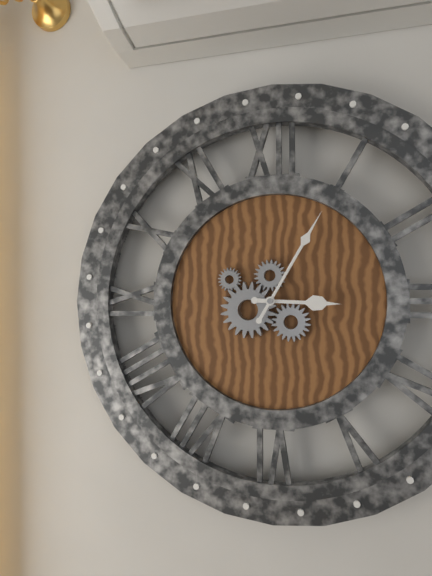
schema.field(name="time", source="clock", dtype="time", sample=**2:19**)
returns **3:05**
